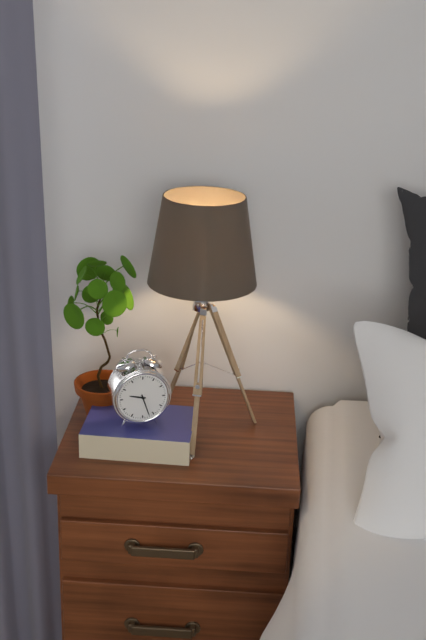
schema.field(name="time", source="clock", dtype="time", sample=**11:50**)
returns **9:27**
